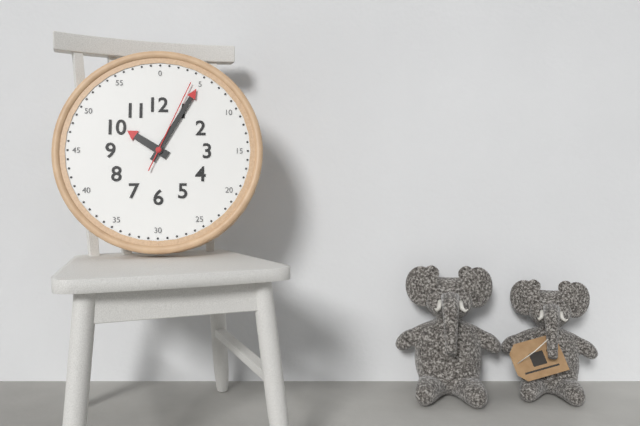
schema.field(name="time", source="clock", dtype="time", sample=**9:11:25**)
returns **10:05:04**
